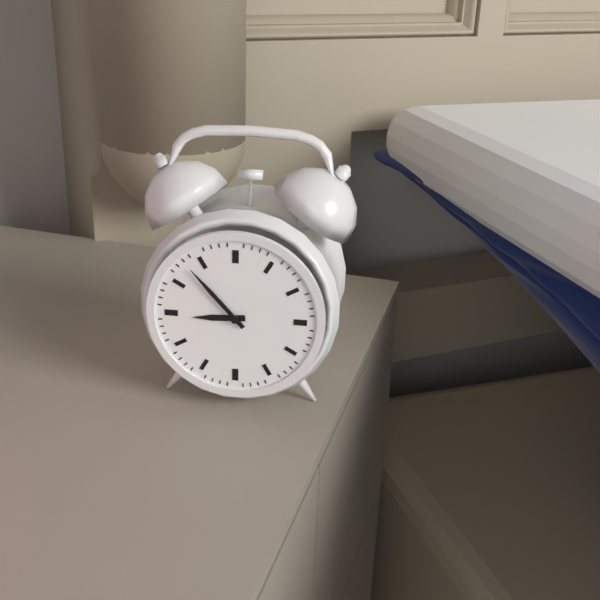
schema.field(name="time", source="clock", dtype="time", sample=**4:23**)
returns **8:53**
